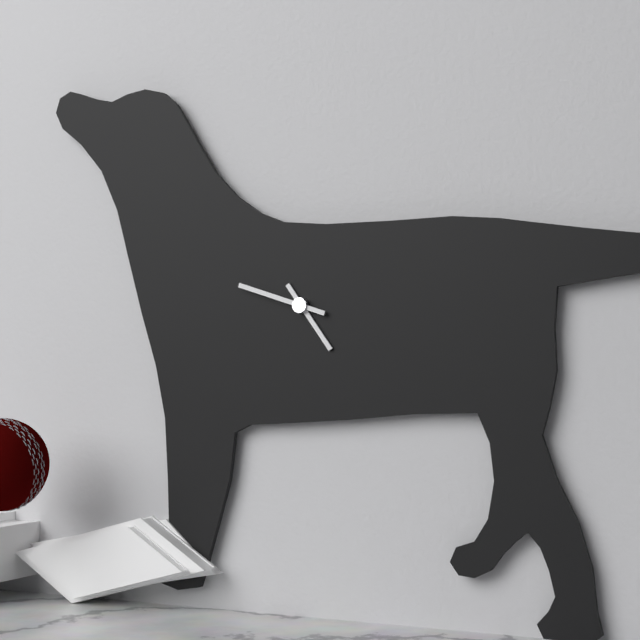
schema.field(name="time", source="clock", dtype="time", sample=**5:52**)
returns **4:48**
